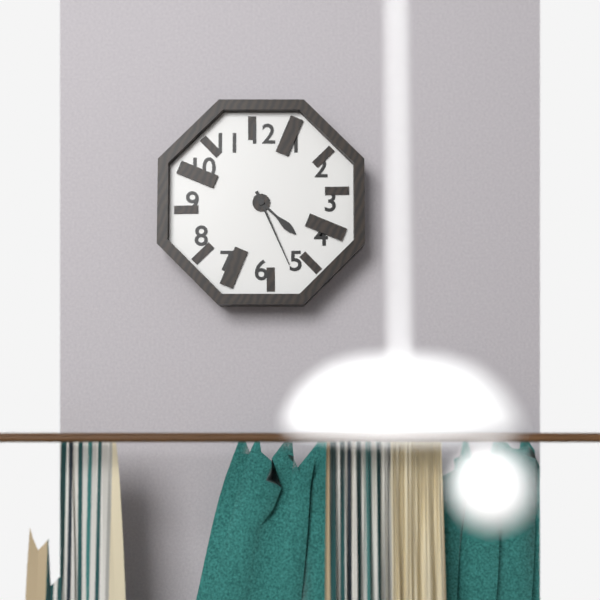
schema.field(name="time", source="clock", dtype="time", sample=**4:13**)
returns **4:26**
